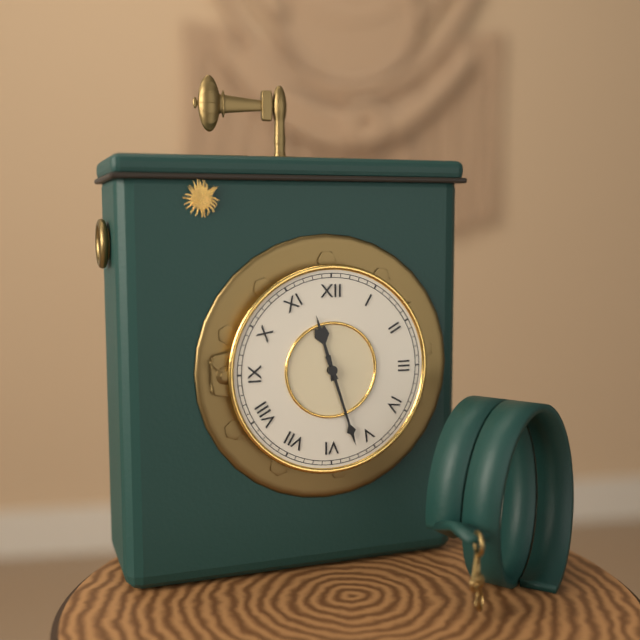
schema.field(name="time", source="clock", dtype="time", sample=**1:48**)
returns **11:27**
